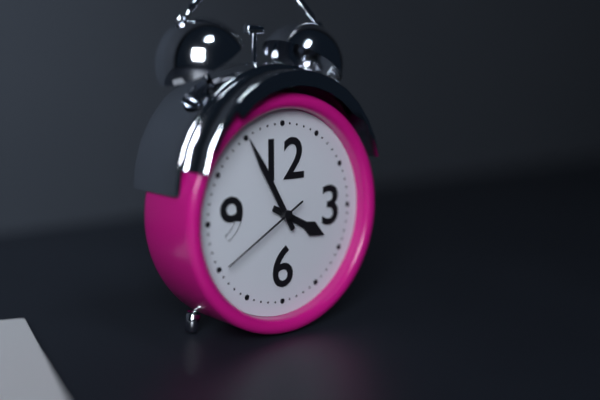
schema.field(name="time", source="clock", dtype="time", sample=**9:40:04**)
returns **3:55:40**
